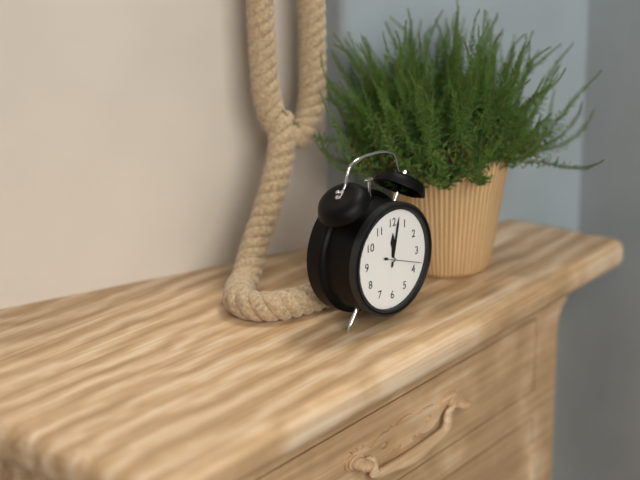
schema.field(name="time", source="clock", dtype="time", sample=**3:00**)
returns **12:02**
